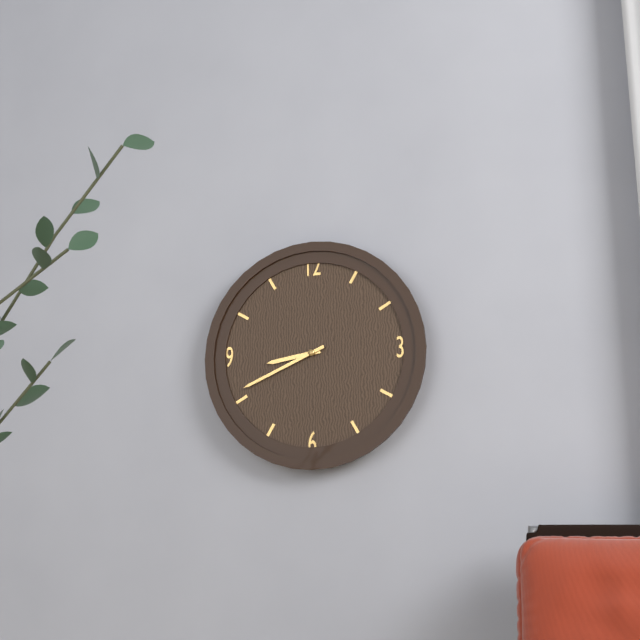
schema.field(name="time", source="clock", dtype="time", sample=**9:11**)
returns **8:41**
